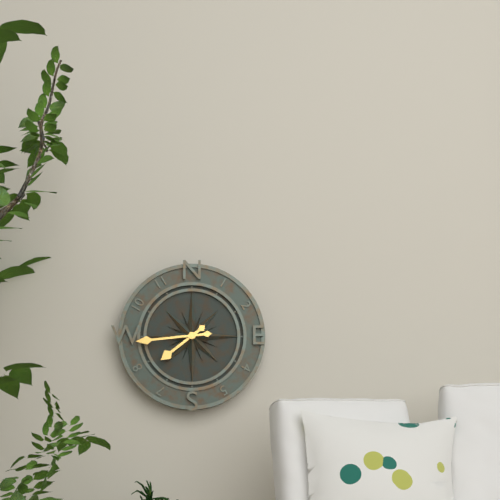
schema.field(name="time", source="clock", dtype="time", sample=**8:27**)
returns **7:44**
